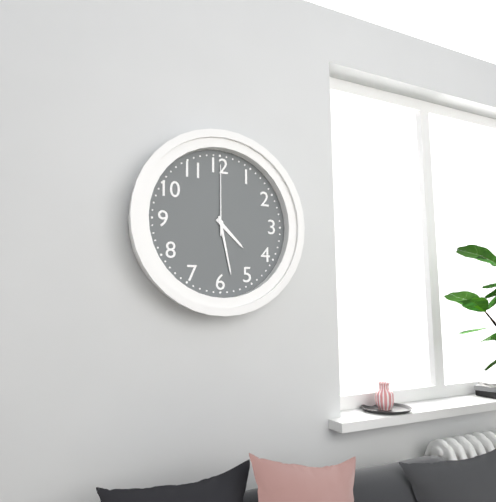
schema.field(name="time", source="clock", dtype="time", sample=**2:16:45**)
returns **4:28:00**
